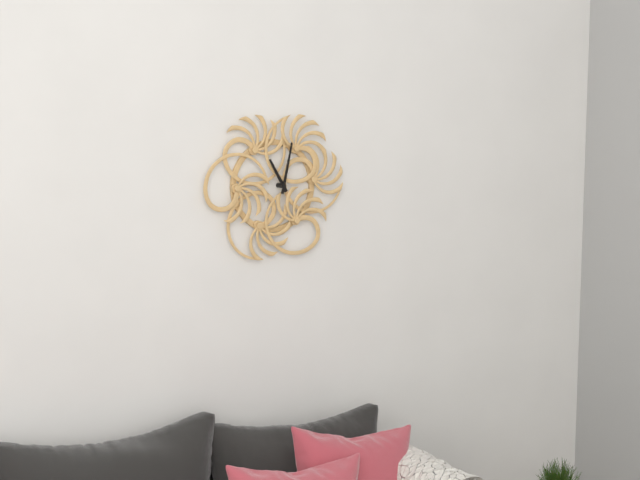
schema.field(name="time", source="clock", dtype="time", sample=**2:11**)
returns **11:02**
